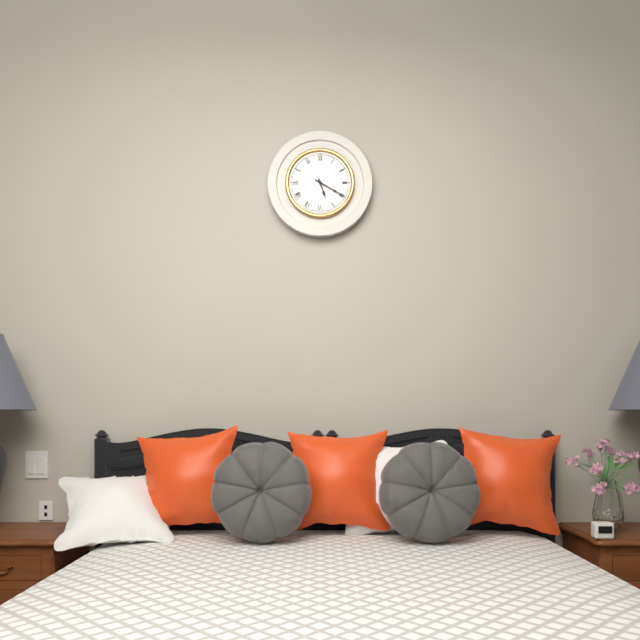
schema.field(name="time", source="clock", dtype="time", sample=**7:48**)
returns **5:20**
